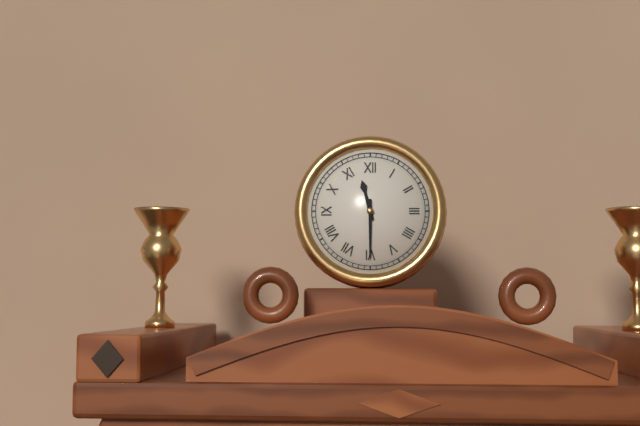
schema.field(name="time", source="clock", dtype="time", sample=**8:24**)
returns **11:30**
